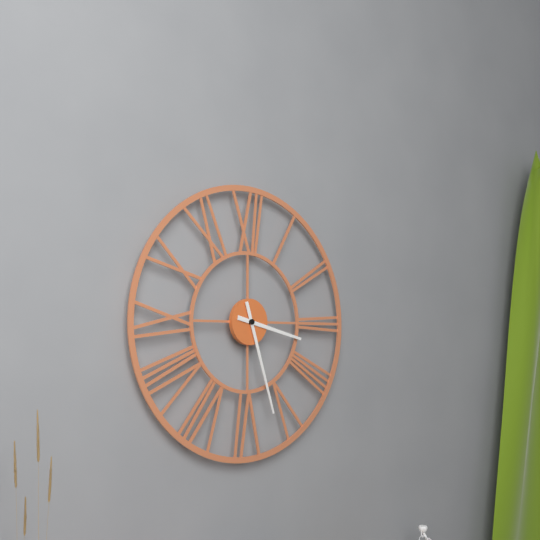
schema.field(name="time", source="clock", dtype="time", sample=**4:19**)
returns **3:27**
